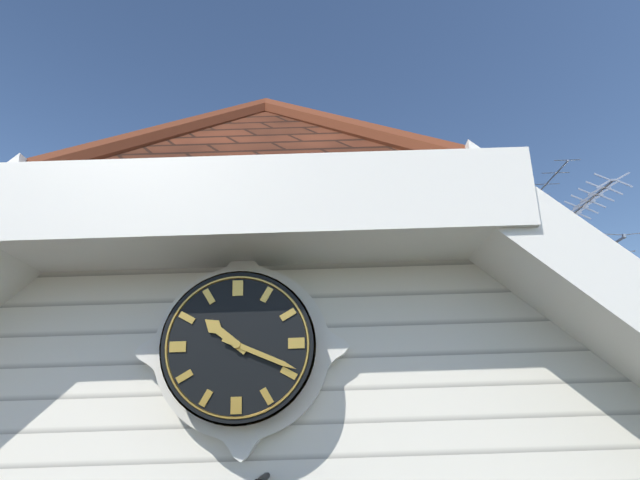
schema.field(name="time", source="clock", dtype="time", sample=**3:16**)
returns **10:19**
